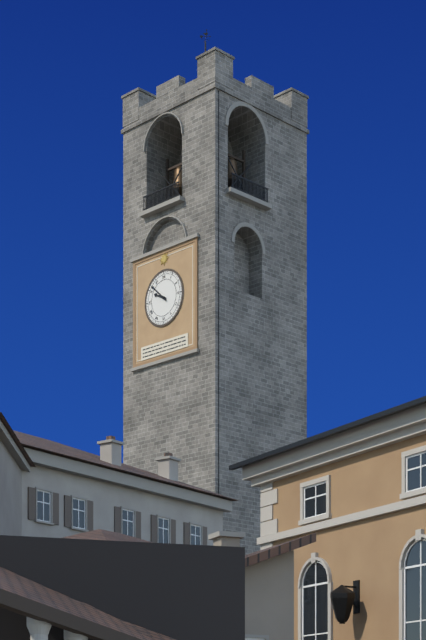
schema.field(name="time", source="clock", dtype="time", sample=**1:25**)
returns **9:52**
